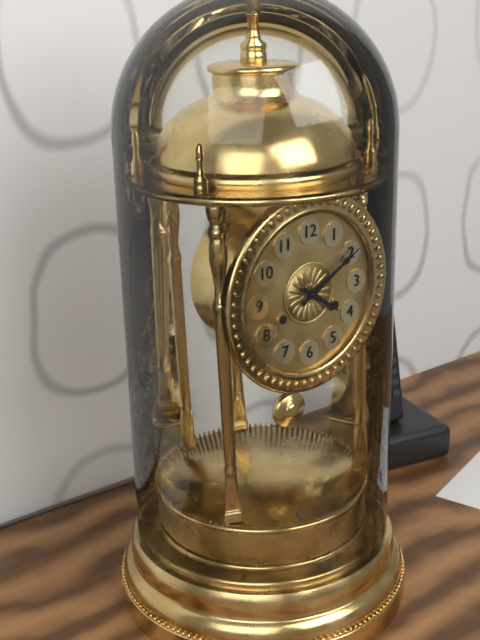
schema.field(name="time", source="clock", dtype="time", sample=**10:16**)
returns **4:10**
